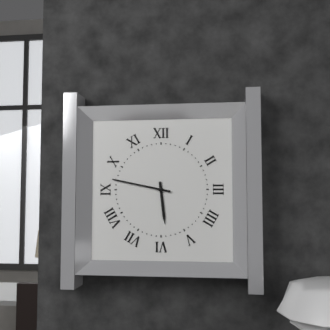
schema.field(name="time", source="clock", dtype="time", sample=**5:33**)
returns **5:47**
